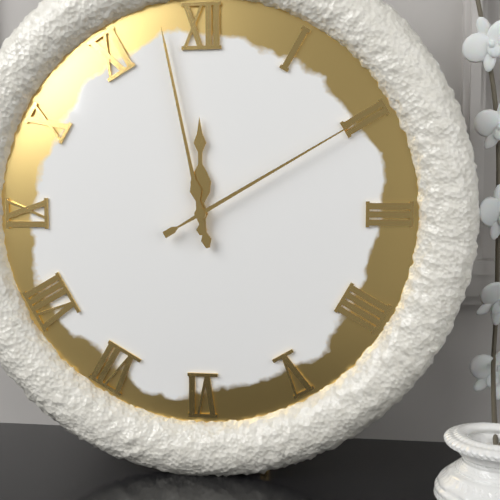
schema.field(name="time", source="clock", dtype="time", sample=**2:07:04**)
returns **11:58:10**
